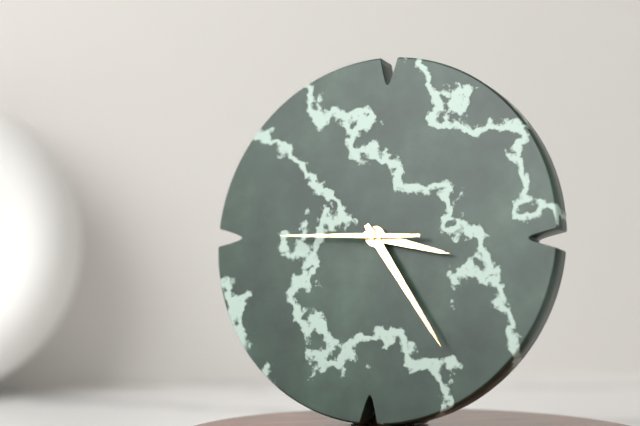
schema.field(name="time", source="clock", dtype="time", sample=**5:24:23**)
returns **3:24:45**
